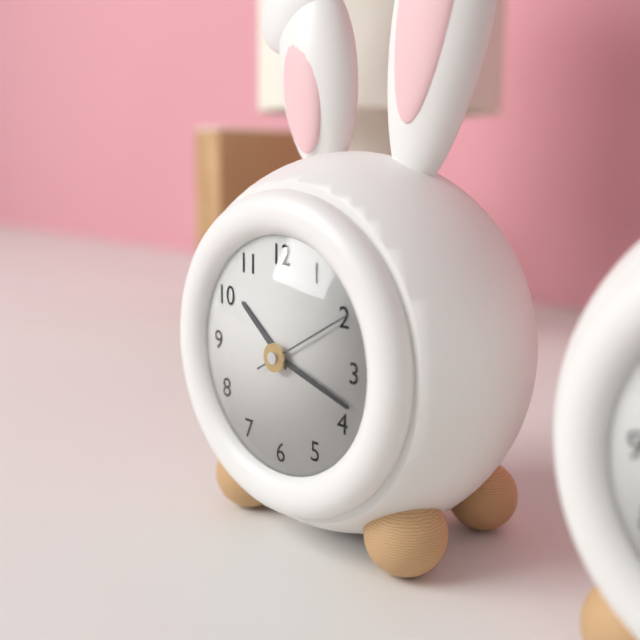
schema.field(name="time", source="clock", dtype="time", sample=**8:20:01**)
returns **10:18:10**
